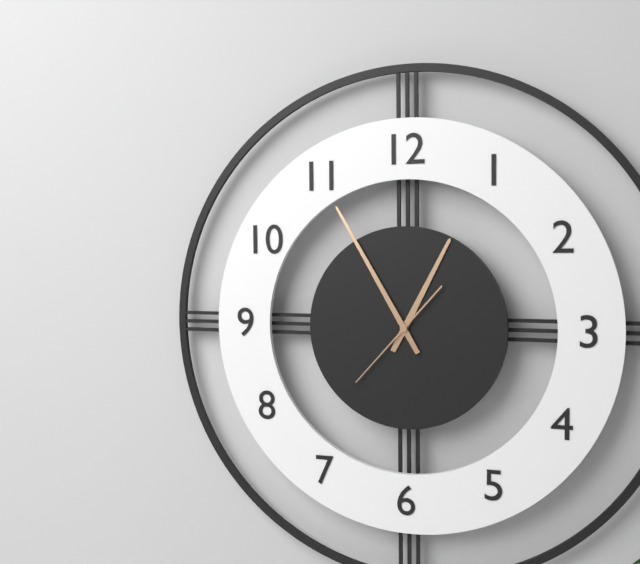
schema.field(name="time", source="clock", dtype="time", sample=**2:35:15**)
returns **12:55:37**
